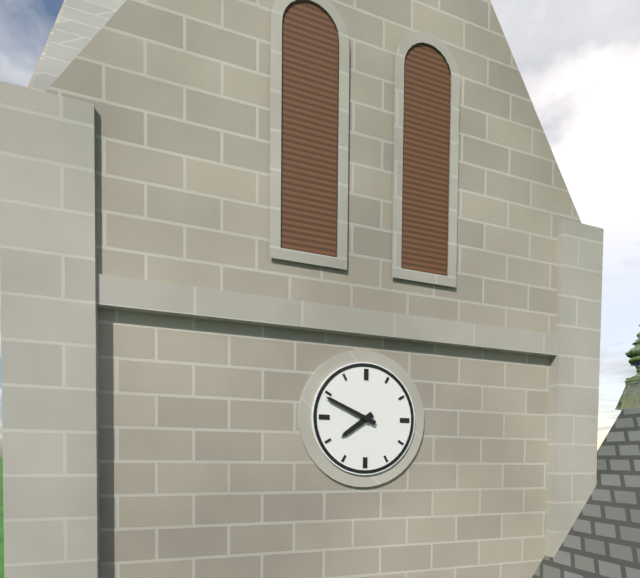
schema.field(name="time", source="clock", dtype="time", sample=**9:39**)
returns **7:49**
